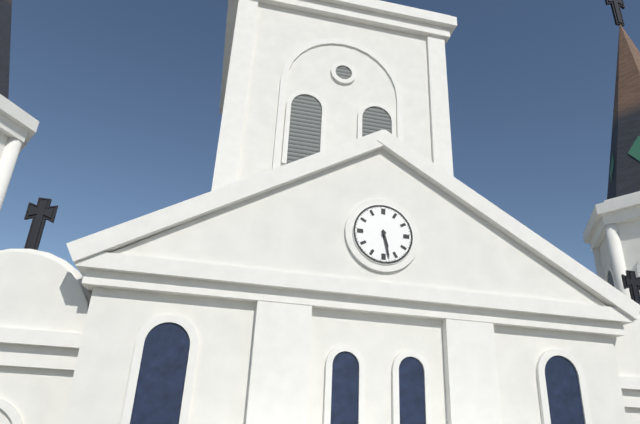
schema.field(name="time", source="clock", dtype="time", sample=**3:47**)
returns **5:28**
